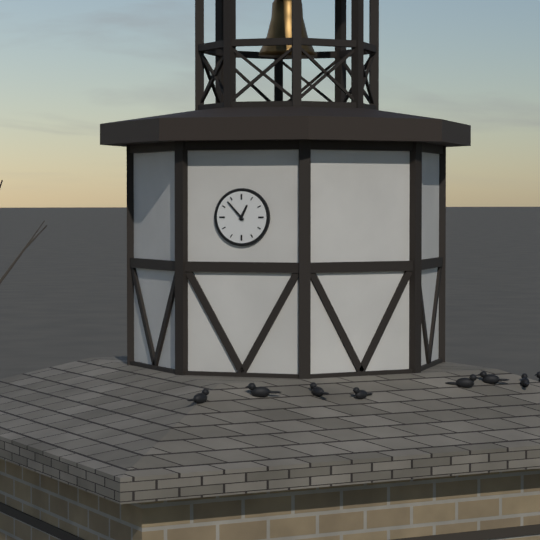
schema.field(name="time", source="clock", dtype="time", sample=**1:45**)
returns **12:53**
